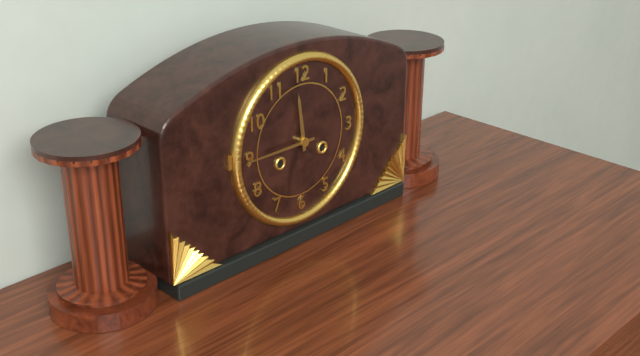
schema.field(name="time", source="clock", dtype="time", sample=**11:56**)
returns **11:45**
